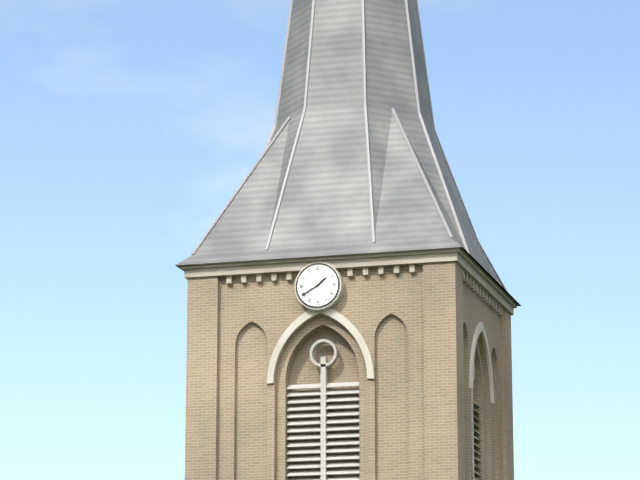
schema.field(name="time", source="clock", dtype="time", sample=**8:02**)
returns **1:40**
